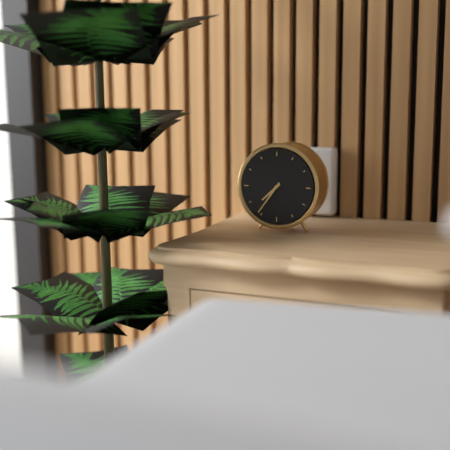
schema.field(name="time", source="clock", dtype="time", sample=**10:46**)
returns **7:36**
